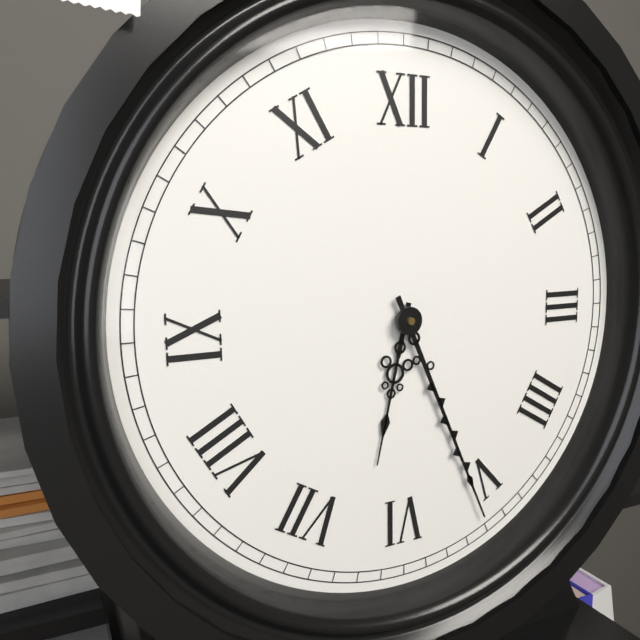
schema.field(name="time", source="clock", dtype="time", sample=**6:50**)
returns **6:26**
